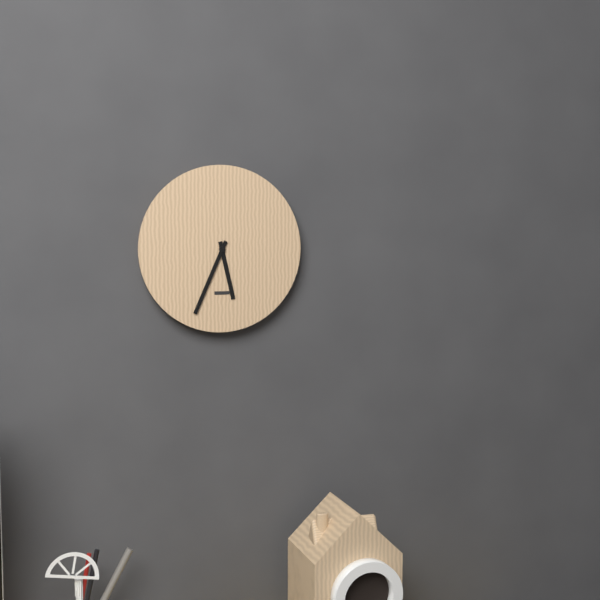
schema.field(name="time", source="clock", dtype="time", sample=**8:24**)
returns **5:34**
